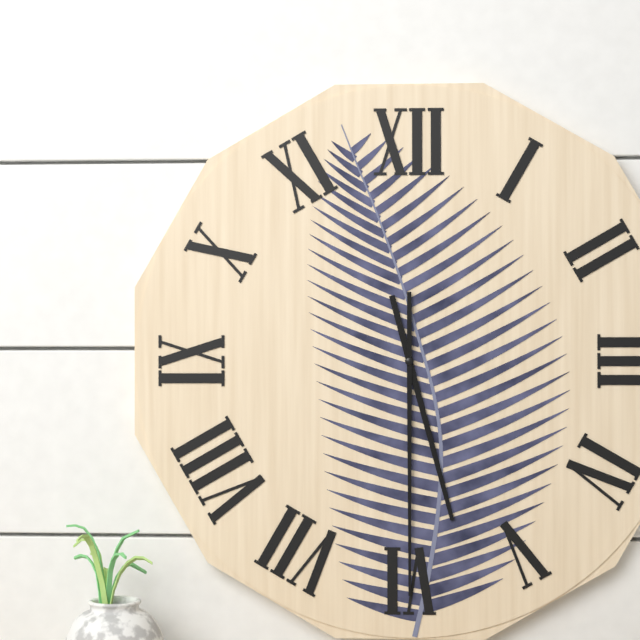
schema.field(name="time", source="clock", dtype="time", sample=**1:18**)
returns **5:30**
